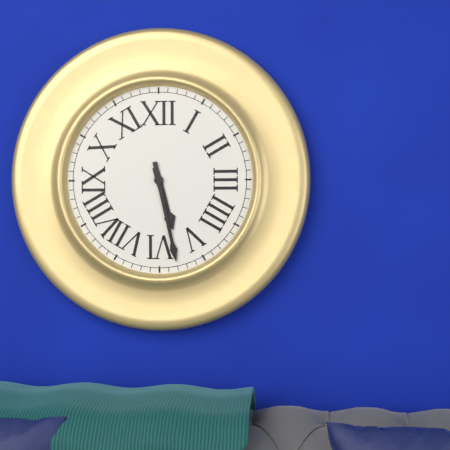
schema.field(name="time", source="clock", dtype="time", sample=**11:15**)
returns **5:28**
